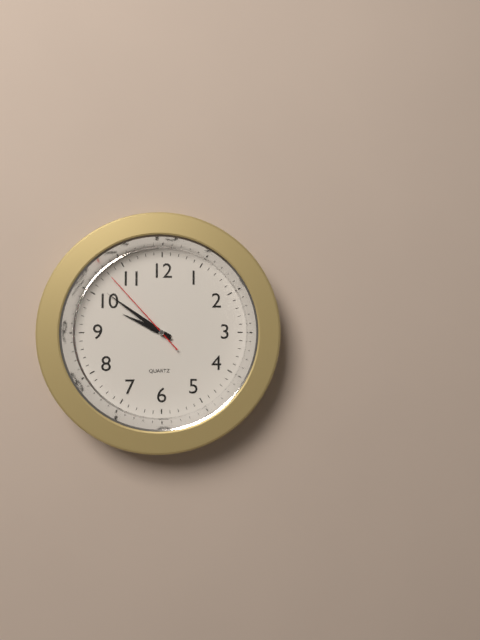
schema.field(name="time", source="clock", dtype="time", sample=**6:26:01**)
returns **9:51:53**
